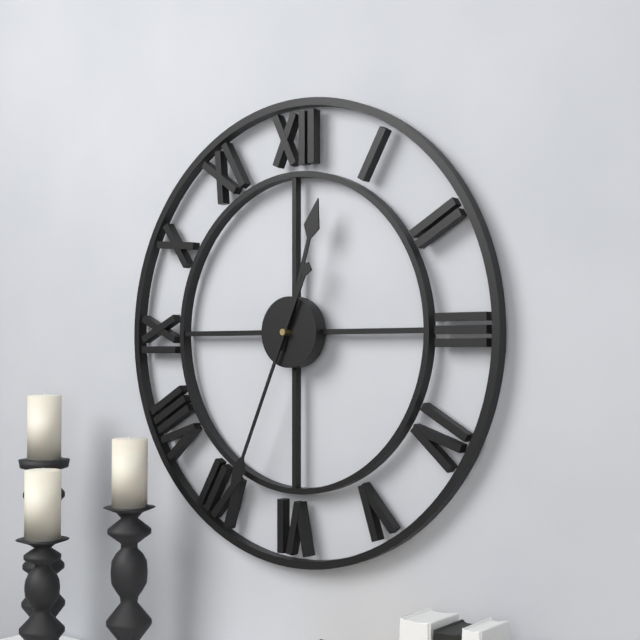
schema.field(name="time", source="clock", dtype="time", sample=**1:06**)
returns **12:34**
